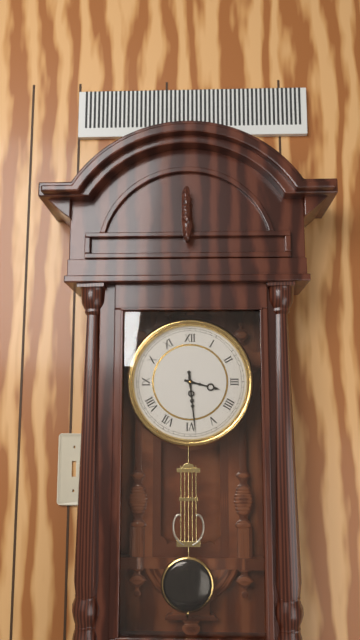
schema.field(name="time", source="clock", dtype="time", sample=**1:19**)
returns **3:29**
